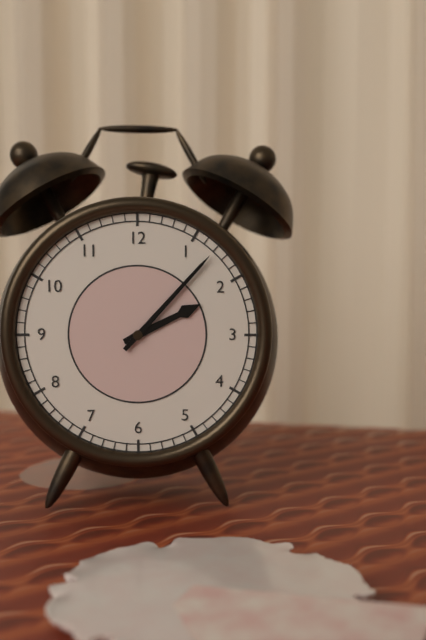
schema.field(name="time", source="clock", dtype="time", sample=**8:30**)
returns **2:07**
